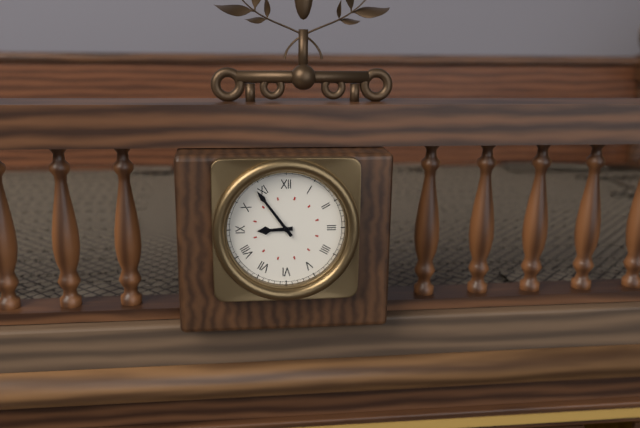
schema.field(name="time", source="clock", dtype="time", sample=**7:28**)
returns **8:54**
